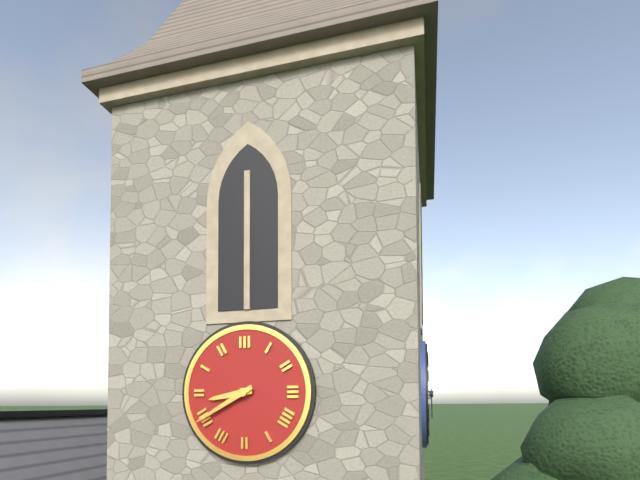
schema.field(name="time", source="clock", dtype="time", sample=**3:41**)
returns **8:40**
